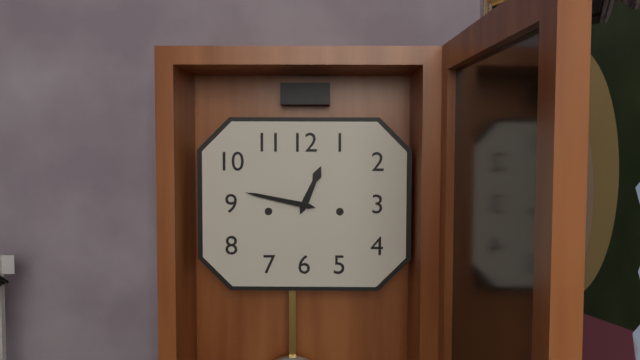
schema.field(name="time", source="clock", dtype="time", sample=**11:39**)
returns **12:47**
